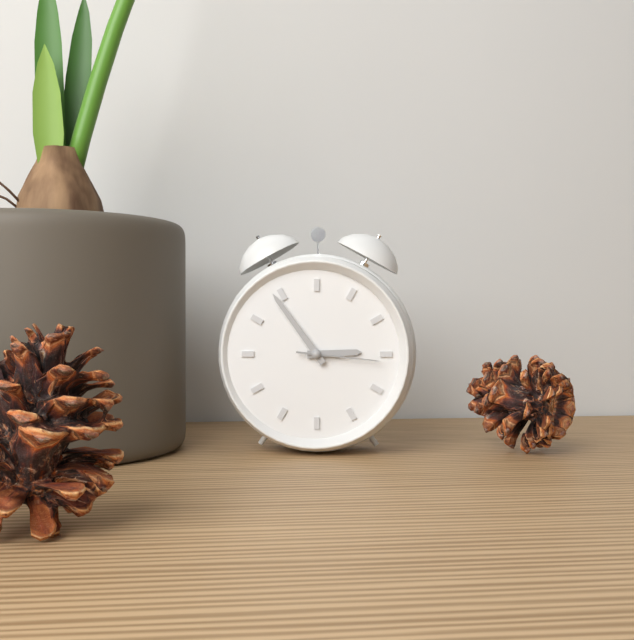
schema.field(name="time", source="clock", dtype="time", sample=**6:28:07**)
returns **2:54:16**
